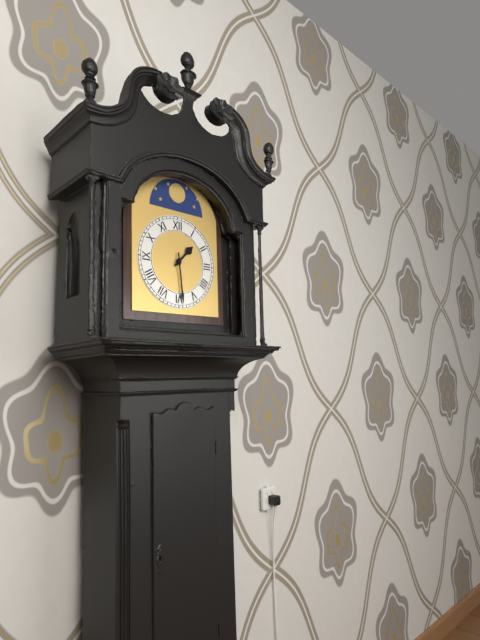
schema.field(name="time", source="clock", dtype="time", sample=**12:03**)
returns **1:29**
